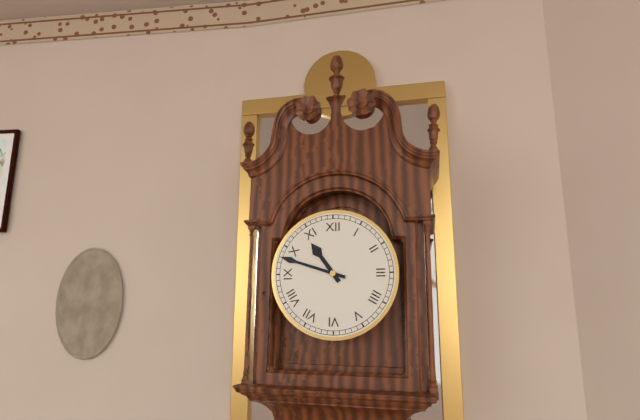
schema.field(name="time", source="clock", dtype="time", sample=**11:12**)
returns **10:48**
